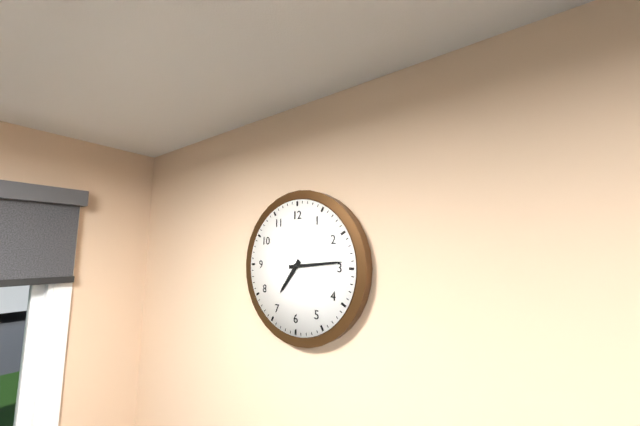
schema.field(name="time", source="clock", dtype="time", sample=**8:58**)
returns **7:14**
